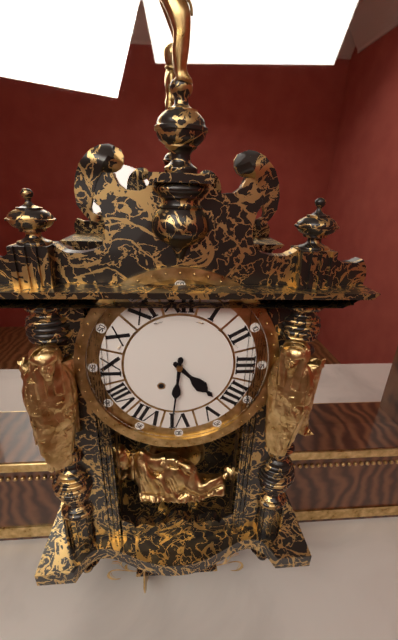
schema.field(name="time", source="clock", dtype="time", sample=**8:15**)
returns **4:31**
